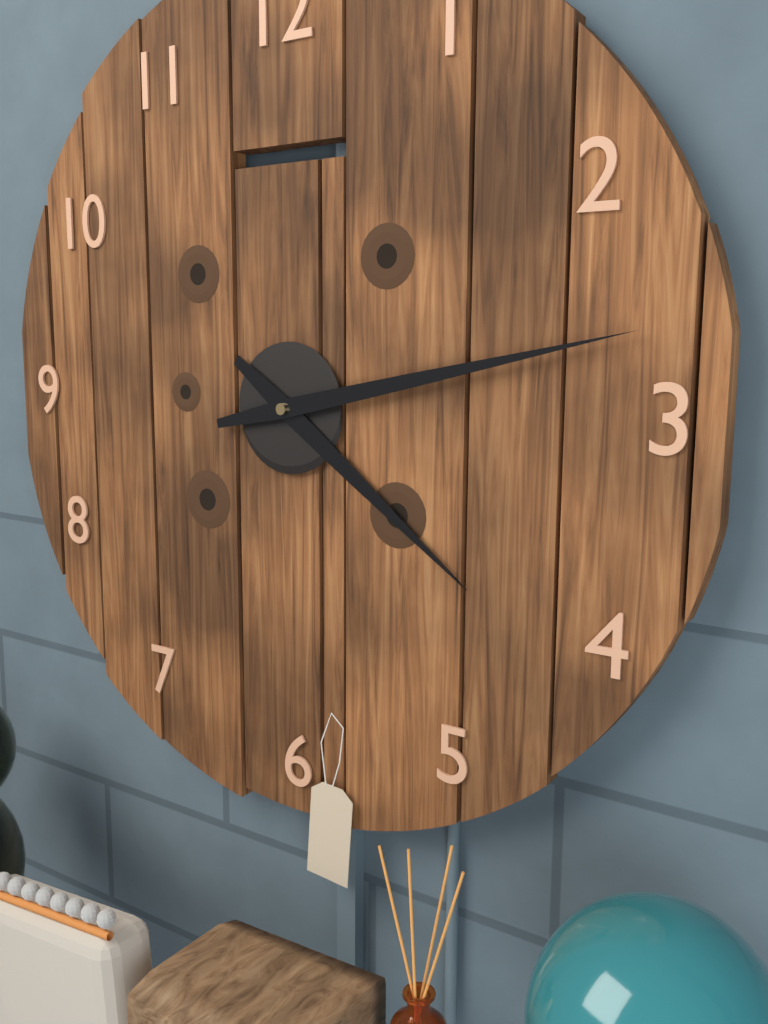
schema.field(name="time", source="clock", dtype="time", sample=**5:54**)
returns **4:13**
